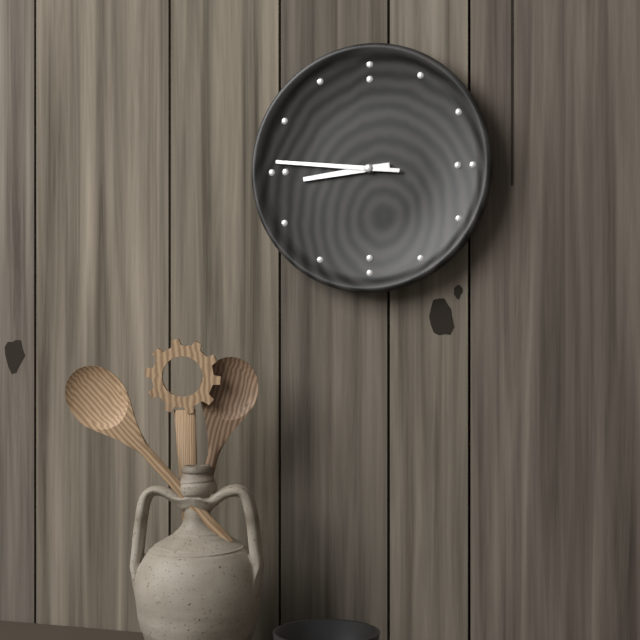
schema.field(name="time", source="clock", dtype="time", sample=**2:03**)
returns **8:46**
